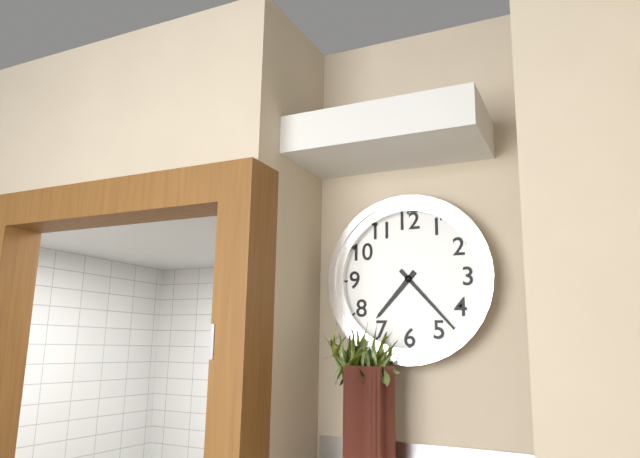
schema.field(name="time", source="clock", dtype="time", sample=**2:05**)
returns **7:23**
